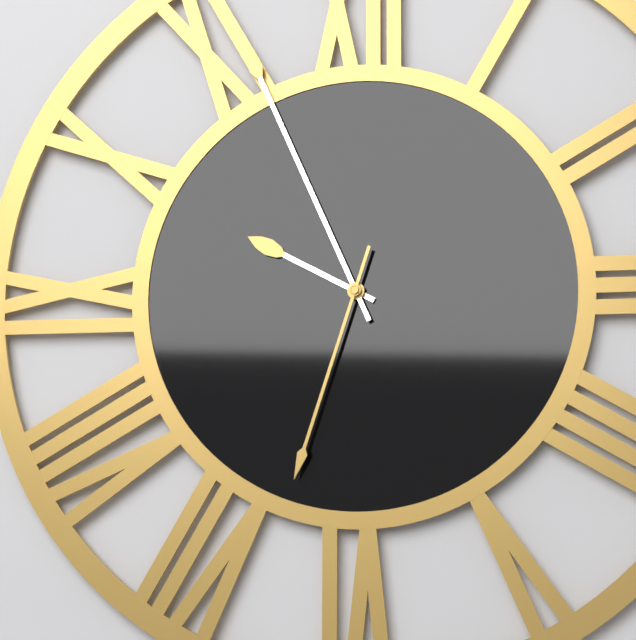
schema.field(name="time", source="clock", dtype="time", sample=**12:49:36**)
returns **9:56:33**
